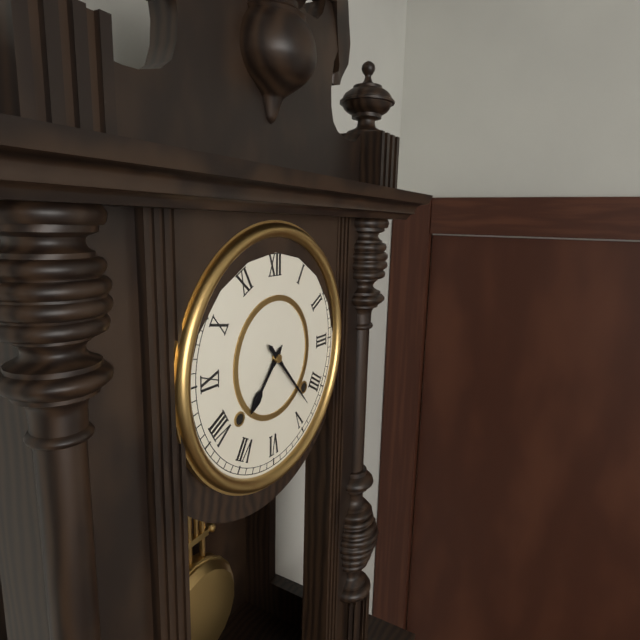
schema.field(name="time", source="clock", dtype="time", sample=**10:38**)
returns **7:23**
